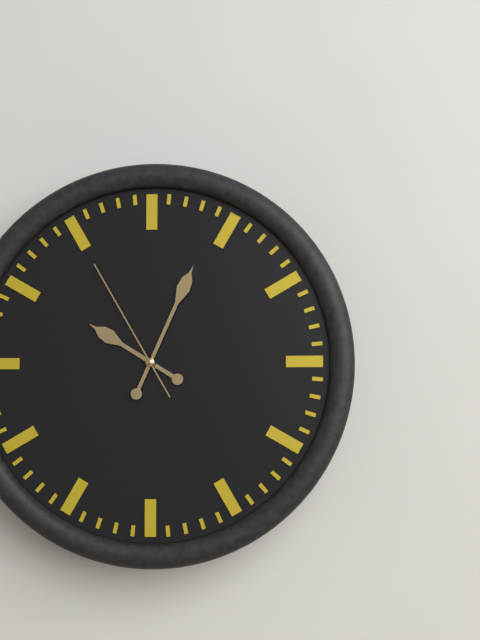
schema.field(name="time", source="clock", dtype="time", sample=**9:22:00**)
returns **10:04:55**
